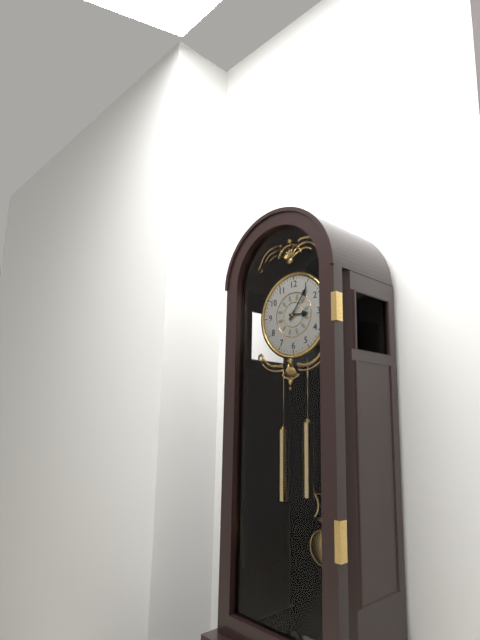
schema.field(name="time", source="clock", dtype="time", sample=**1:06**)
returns **3:06**
